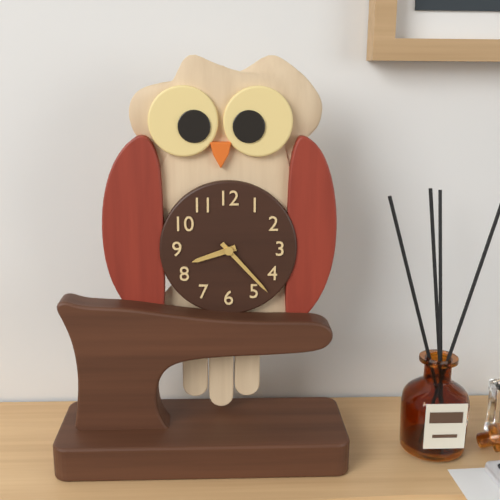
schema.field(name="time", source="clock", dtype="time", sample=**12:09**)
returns **8:23**
